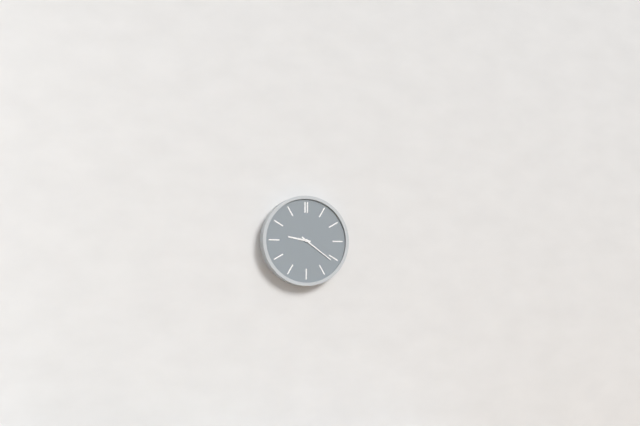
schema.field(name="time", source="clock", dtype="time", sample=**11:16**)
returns **9:21**
